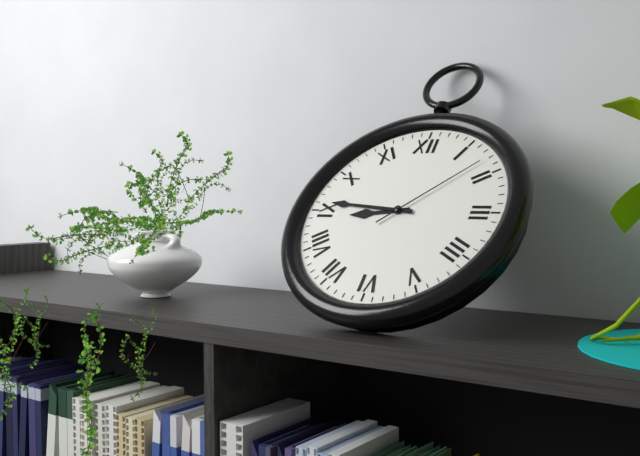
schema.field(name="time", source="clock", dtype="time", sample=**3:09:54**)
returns **8:46:08**
